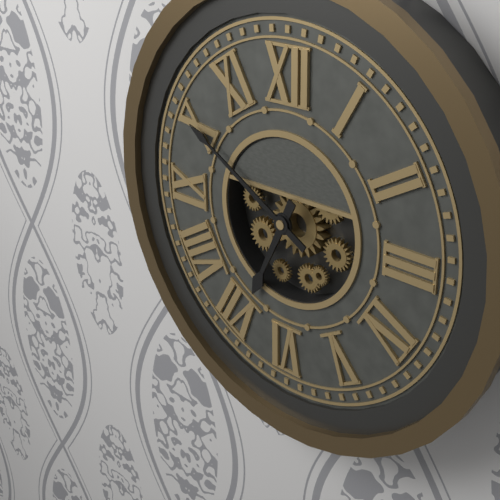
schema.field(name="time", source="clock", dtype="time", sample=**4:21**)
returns **6:50**
